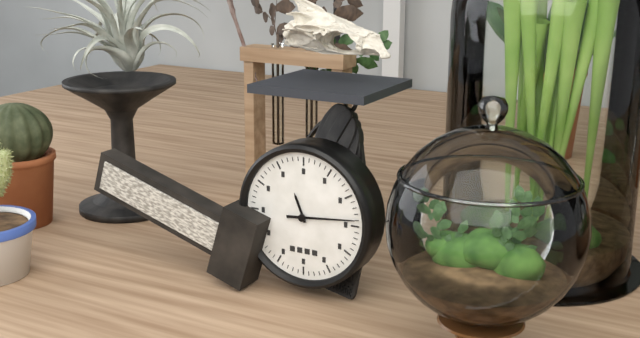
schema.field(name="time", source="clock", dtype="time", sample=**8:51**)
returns **11:14**
